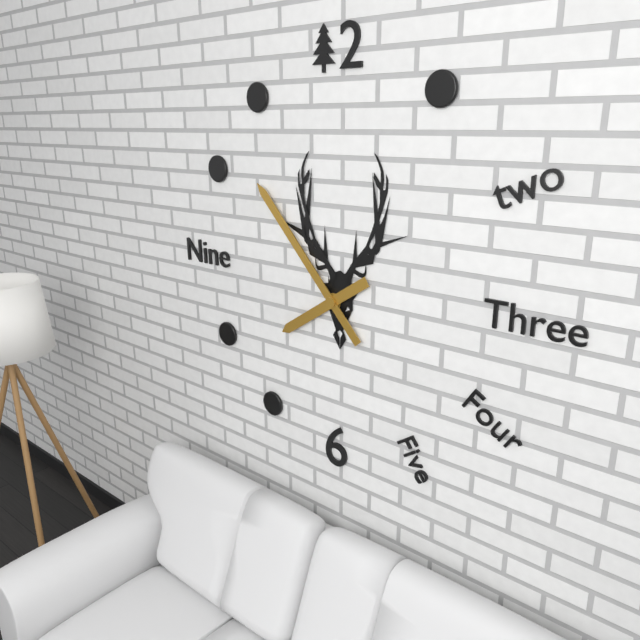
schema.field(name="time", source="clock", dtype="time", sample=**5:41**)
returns **7:53**
